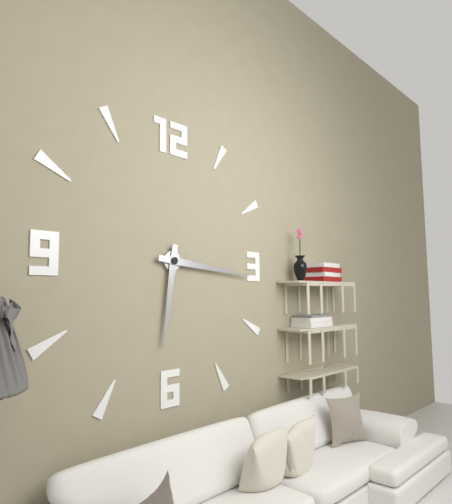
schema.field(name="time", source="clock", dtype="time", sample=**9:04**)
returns **6:16**
